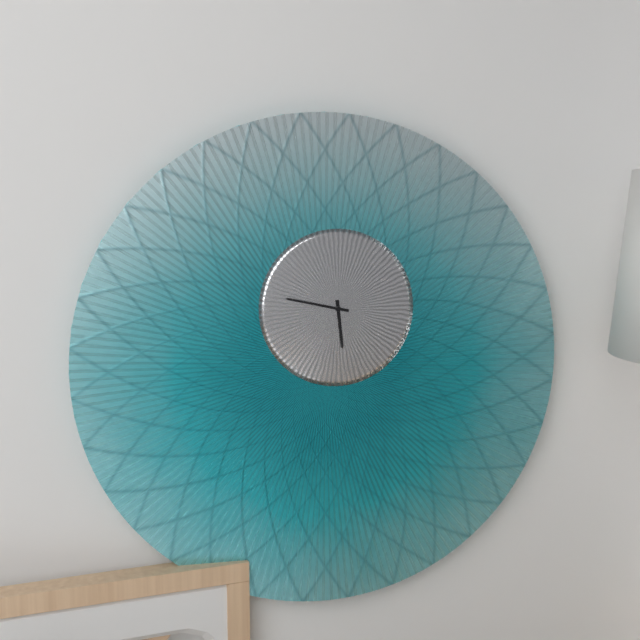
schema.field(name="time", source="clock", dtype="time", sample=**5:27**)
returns **5:47**
